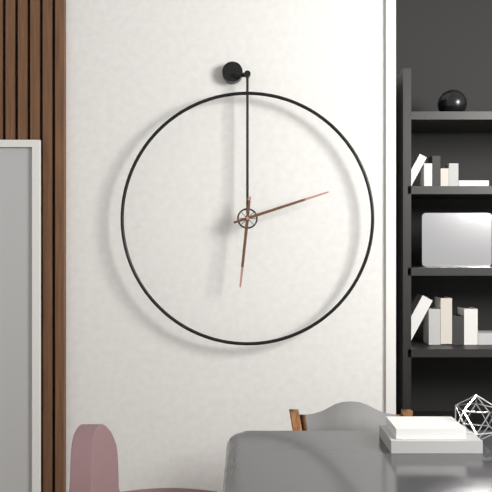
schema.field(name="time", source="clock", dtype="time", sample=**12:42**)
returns **6:12**
